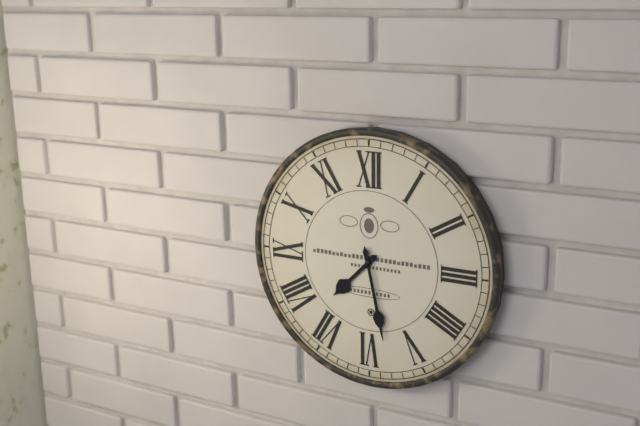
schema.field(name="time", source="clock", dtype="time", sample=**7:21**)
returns **7:28**
